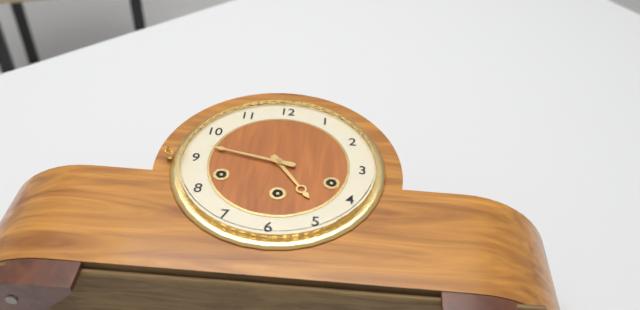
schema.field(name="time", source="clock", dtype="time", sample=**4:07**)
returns **4:47**
